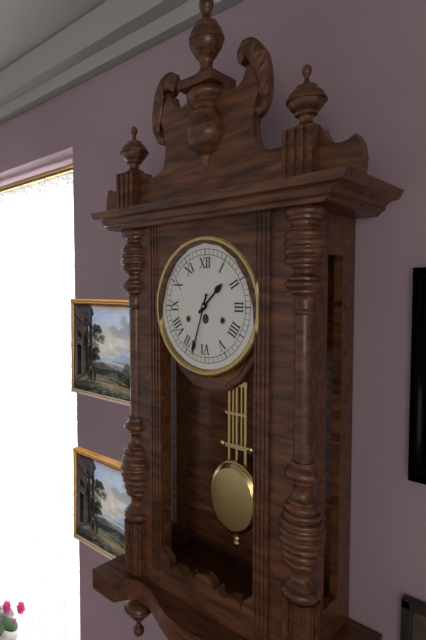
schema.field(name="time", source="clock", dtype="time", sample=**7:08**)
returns **1:33**
